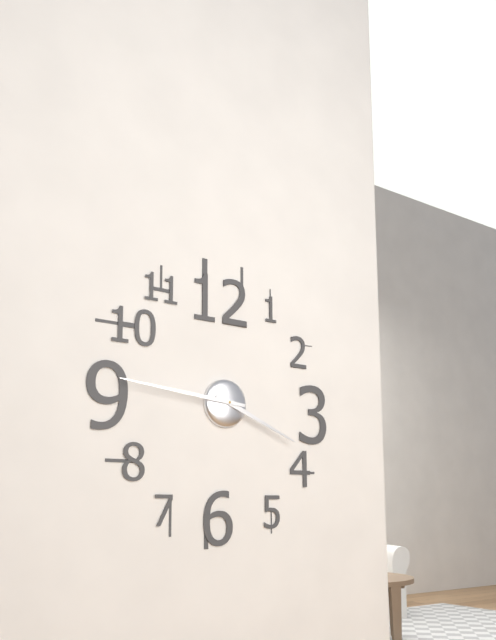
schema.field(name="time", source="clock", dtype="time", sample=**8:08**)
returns **3:46**
